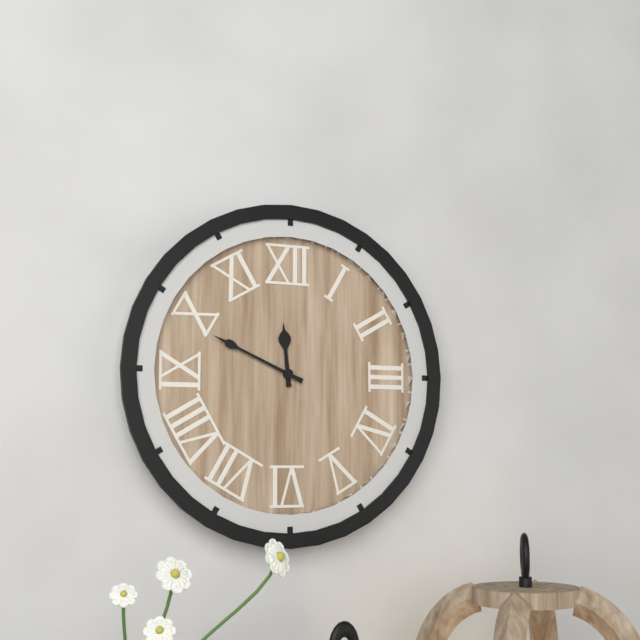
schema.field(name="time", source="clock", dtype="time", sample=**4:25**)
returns **11:49**
